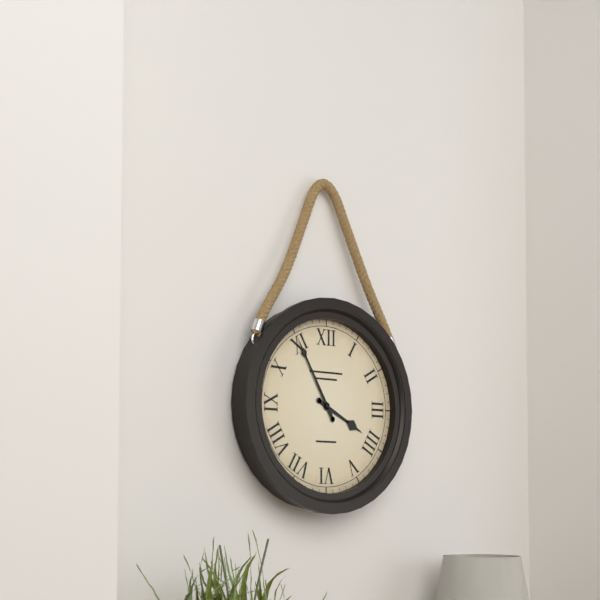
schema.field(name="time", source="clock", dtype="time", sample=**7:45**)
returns **3:55**
